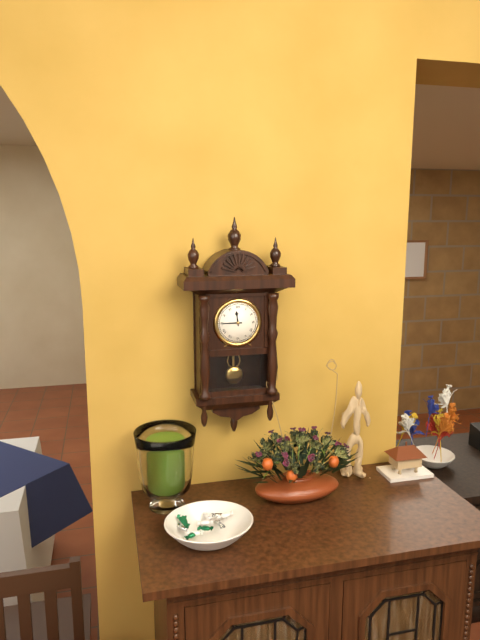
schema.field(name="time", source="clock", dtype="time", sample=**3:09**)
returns **11:45**
